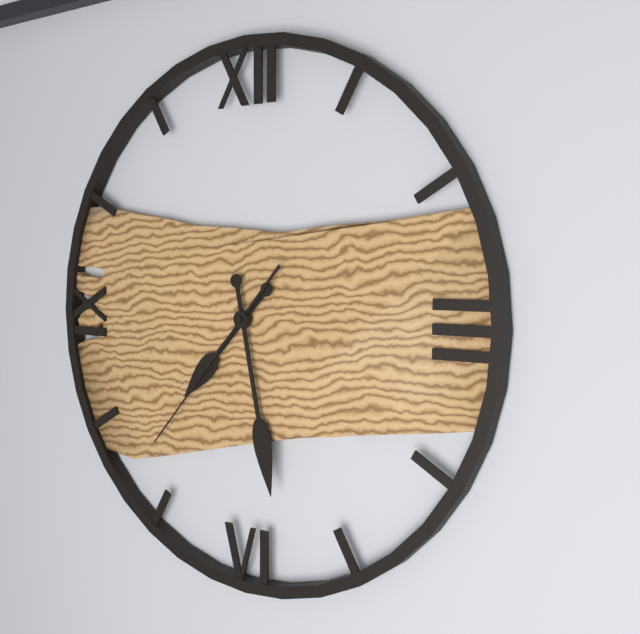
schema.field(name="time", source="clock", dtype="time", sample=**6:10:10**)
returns **7:28:37**
